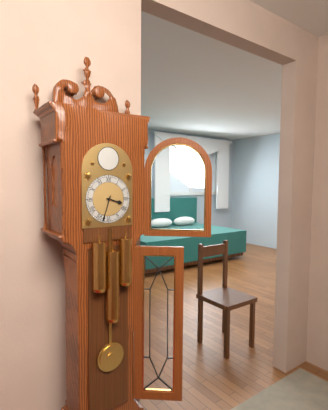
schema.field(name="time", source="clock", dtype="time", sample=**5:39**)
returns **3:33**
